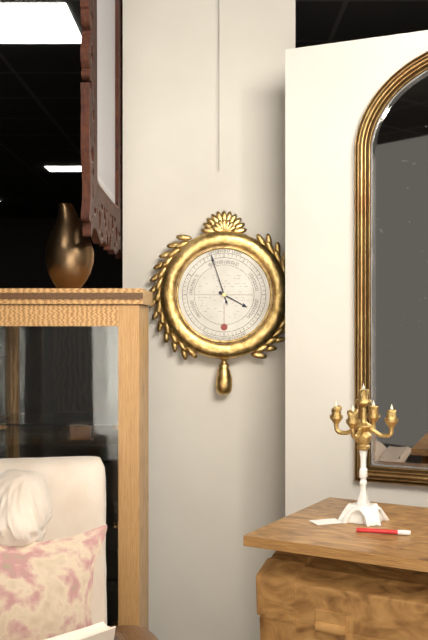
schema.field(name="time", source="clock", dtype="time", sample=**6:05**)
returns **3:57**
